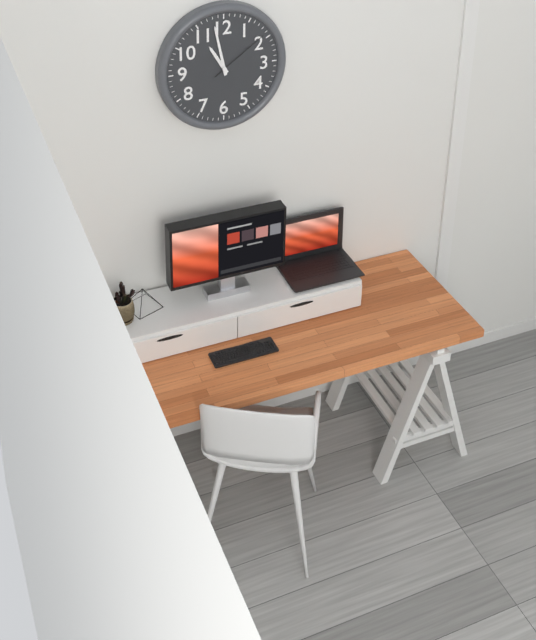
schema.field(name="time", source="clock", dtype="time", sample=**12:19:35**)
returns **10:58:09**
